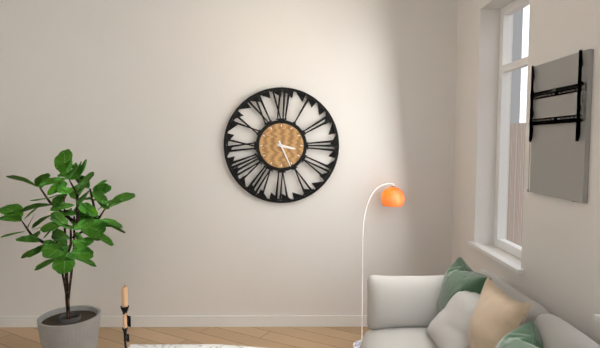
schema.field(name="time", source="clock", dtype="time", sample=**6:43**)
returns **3:26**
